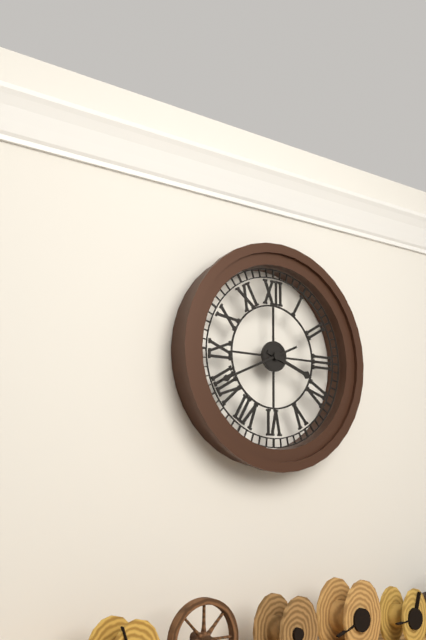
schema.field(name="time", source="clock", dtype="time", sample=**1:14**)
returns **3:41**
